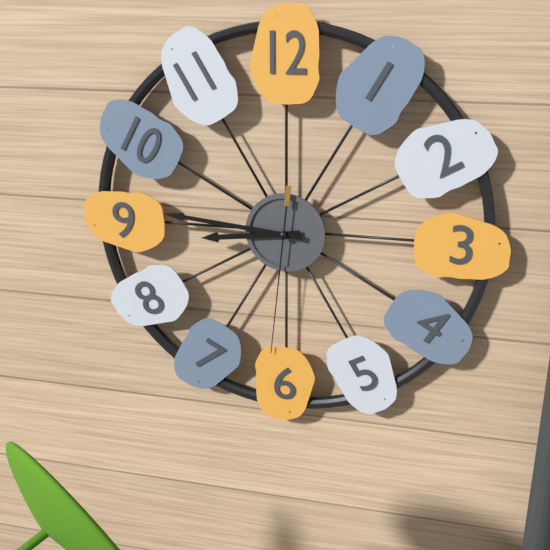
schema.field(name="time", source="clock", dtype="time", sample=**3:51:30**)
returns **8:46:31**
